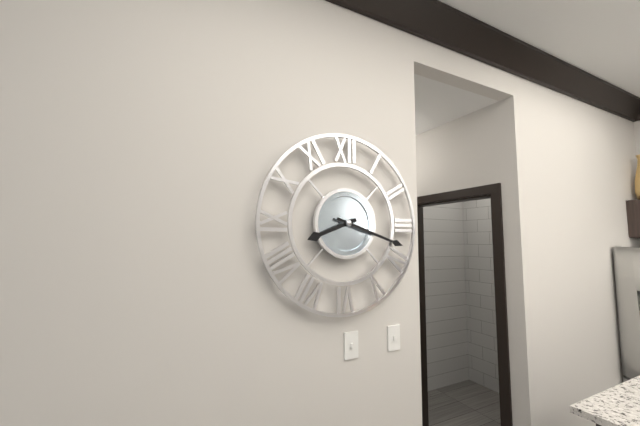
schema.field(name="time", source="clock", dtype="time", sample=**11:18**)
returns **8:18**
